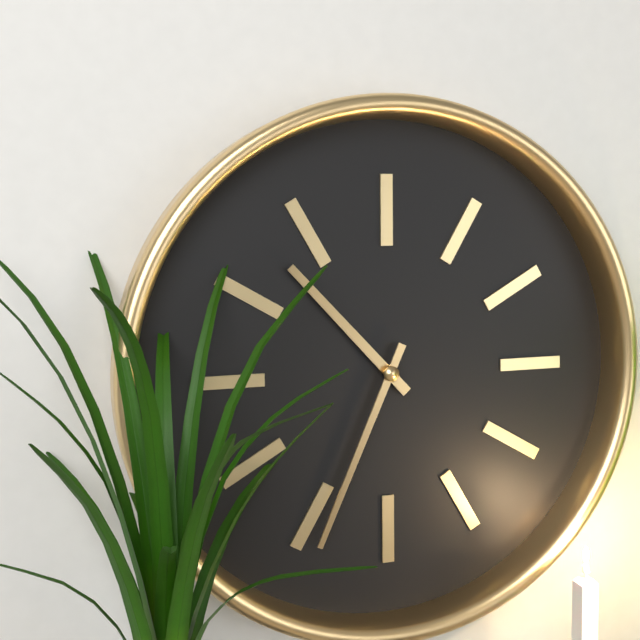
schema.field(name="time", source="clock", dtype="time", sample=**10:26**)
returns **10:34**
